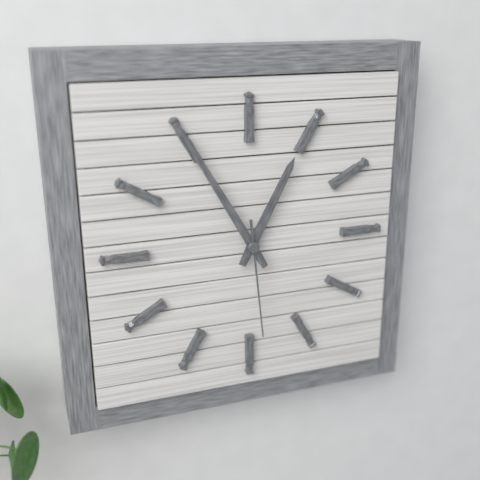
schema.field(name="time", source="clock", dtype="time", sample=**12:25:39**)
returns **12:55:29**
